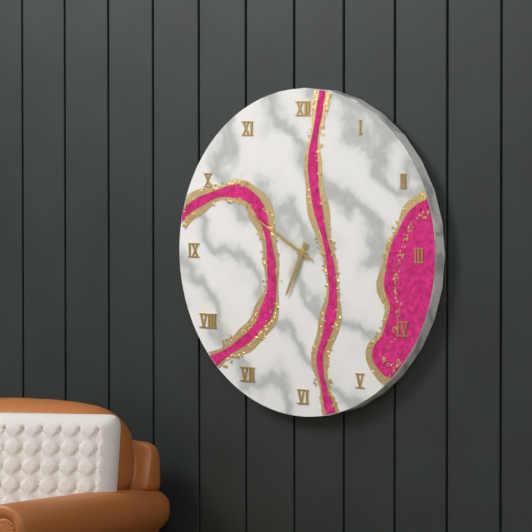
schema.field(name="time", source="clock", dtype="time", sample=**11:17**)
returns **6:50**
